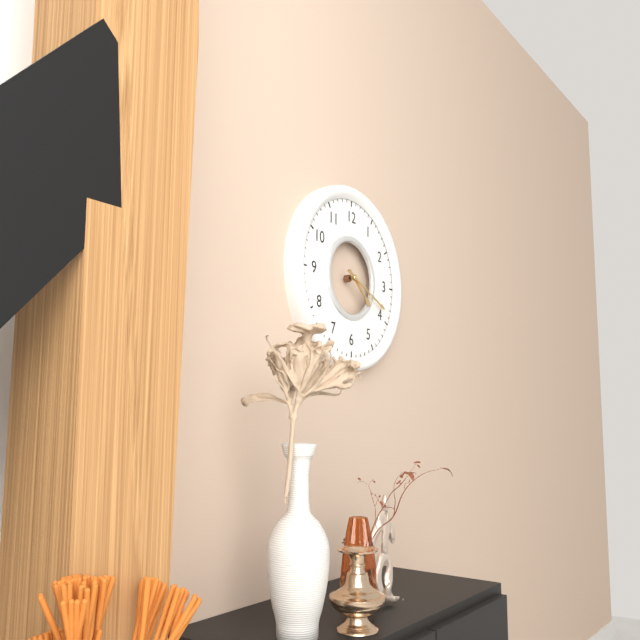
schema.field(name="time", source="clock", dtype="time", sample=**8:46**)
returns **4:19**
